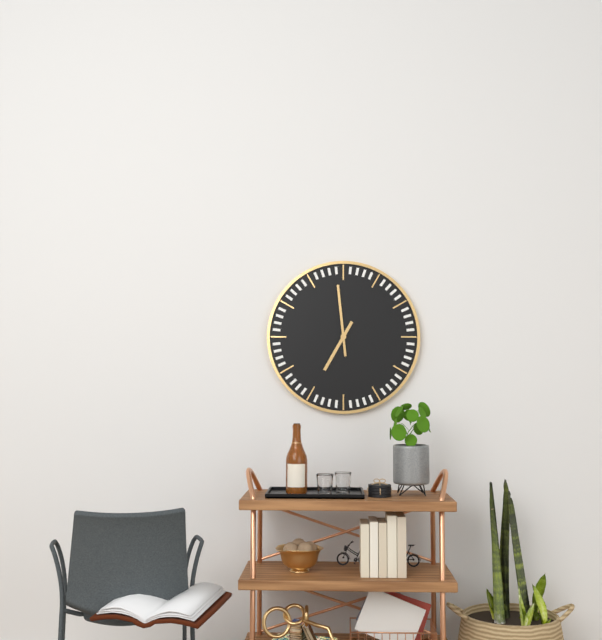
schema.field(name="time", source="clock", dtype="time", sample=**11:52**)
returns **6:59**
